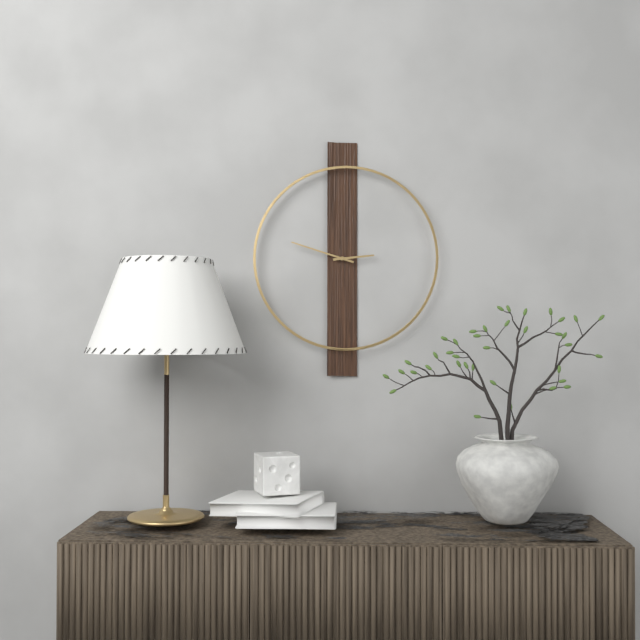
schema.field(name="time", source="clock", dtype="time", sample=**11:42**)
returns **2:48**
